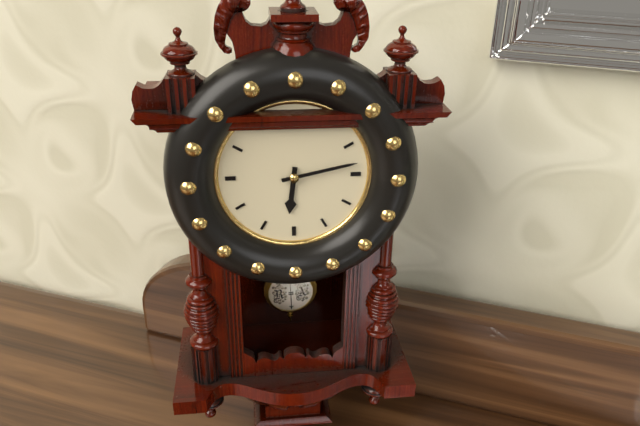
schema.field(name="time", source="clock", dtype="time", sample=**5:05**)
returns **6:13**
